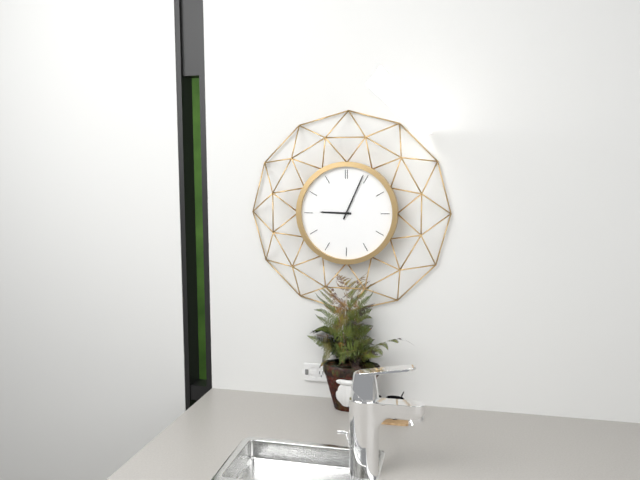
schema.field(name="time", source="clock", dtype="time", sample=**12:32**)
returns **9:04**
